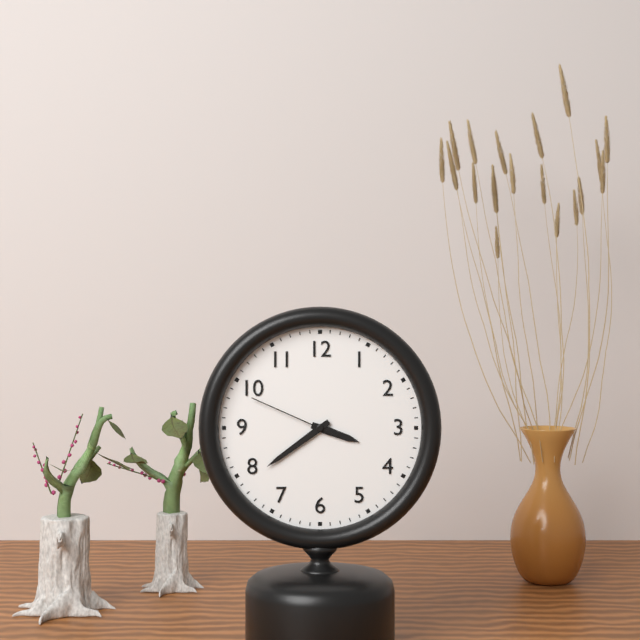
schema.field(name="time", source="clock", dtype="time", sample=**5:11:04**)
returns **3:39:49**
